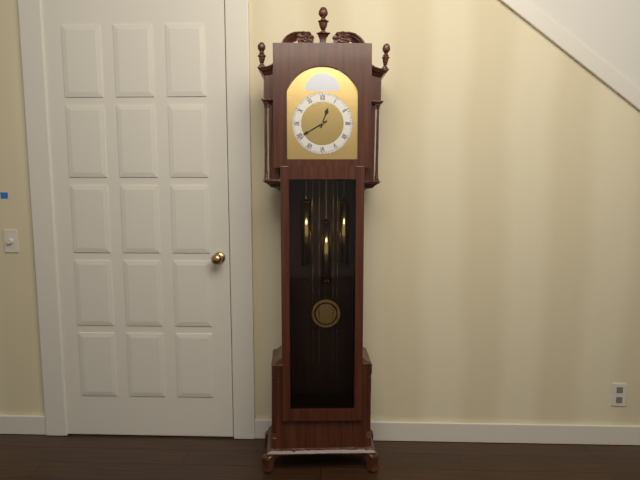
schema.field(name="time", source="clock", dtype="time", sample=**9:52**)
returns **12:40**
